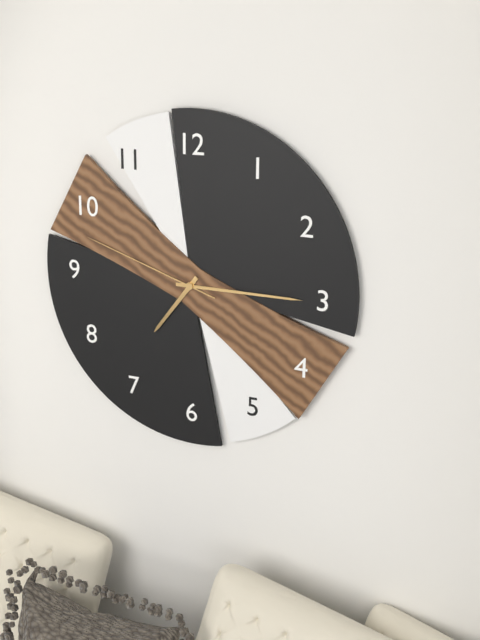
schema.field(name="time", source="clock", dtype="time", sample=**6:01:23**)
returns **7:15:48**
